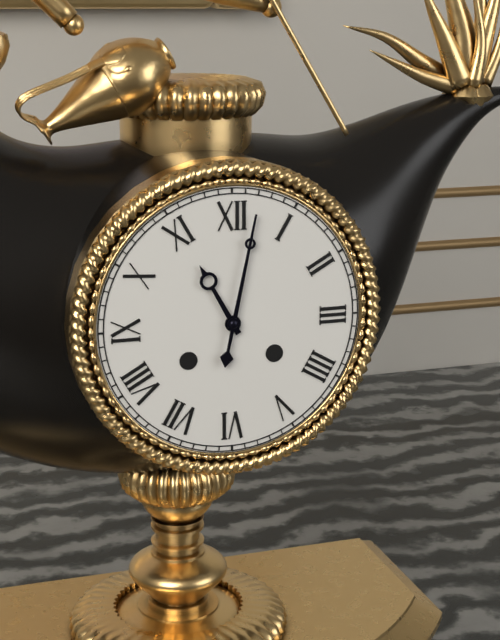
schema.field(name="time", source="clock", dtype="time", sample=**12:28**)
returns **11:02**
